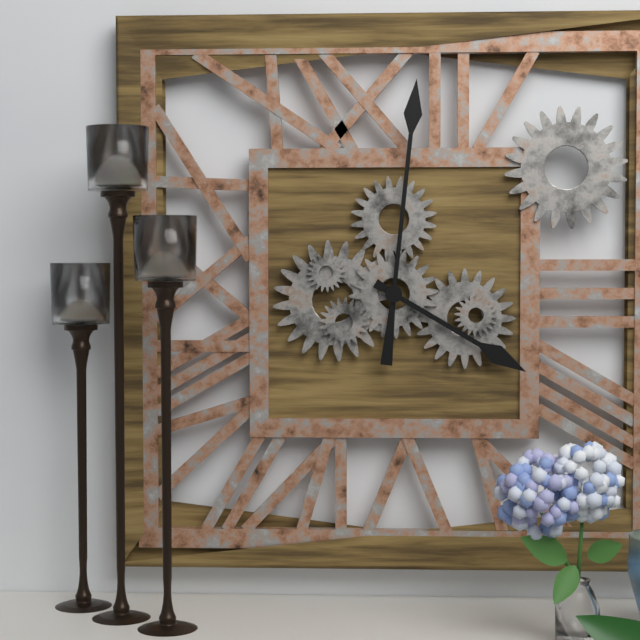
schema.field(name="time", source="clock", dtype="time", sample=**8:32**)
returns **4:01**
